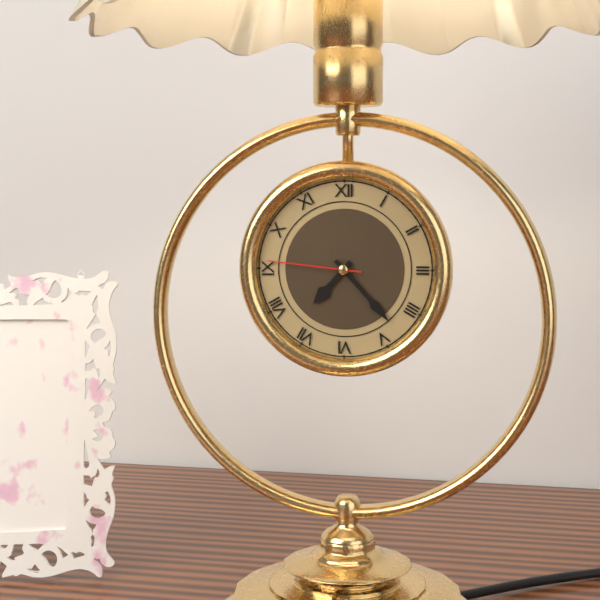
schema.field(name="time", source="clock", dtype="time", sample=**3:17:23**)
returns **7:23:46**
